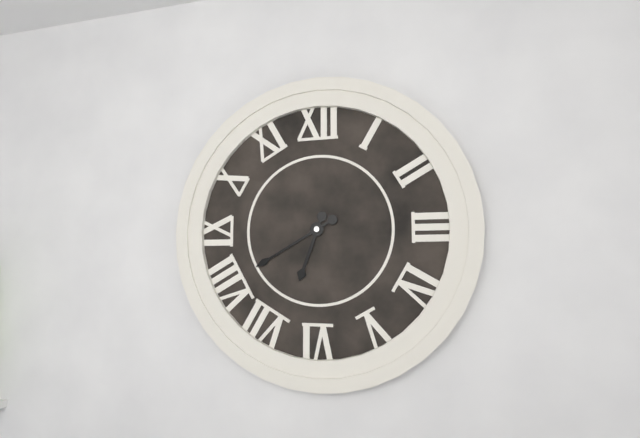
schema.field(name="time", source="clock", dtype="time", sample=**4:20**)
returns **6:40**
